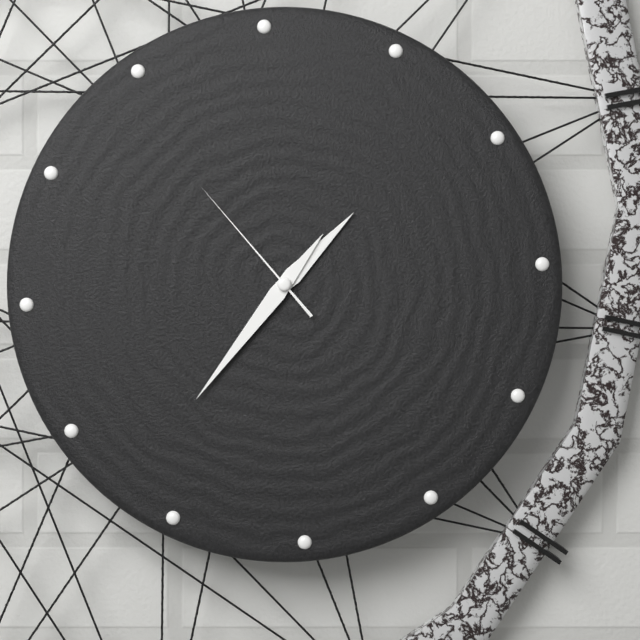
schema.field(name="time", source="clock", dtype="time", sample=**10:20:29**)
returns **1:37:54**
